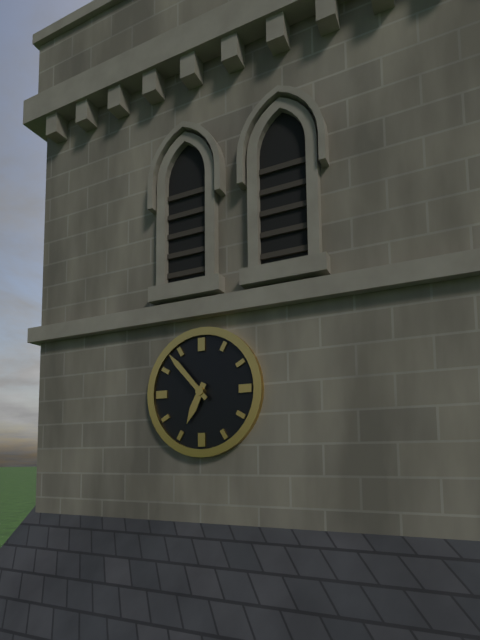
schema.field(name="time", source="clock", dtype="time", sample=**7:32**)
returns **6:53**
